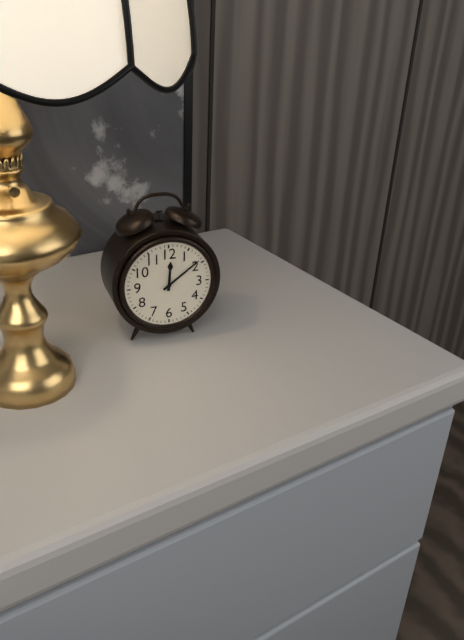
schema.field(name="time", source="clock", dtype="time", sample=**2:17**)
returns **12:09**
